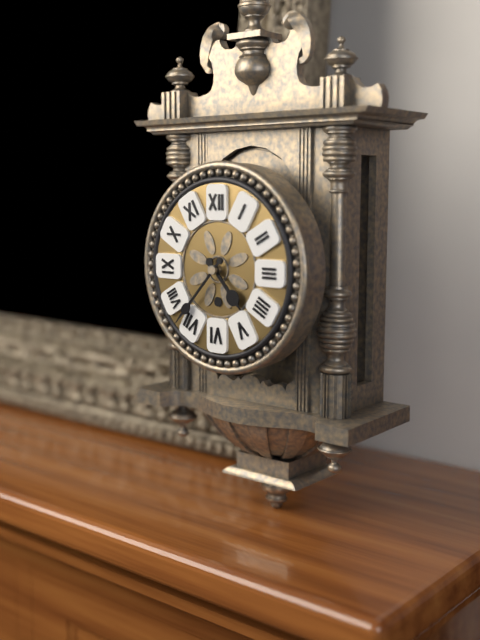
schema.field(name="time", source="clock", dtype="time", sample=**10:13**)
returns **4:37**
